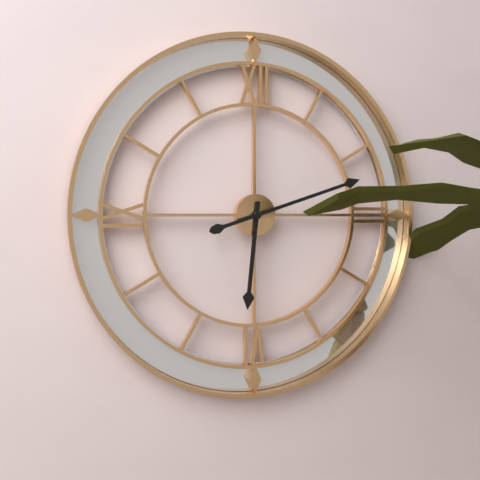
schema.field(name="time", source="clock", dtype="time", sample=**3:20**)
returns **6:12**
